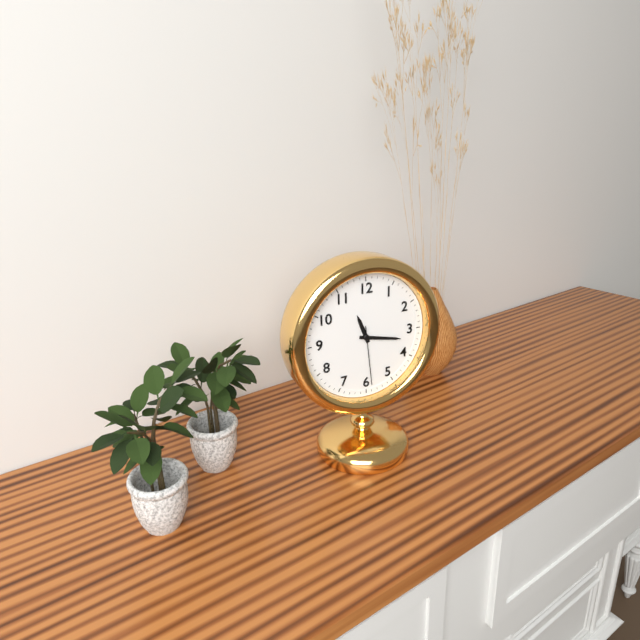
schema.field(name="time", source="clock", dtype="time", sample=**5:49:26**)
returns **11:17:29**
